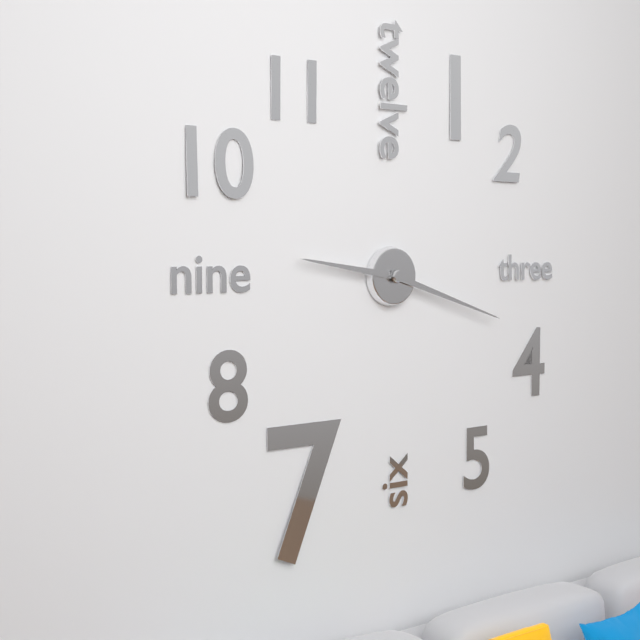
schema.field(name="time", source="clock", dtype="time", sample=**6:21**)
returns **9:18**
